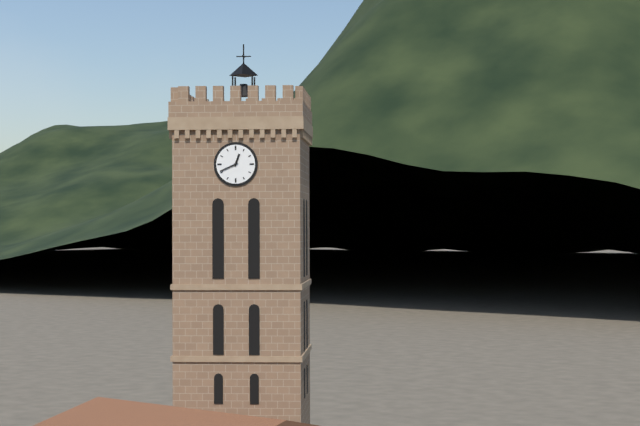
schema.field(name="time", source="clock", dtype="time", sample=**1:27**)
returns **12:41**
